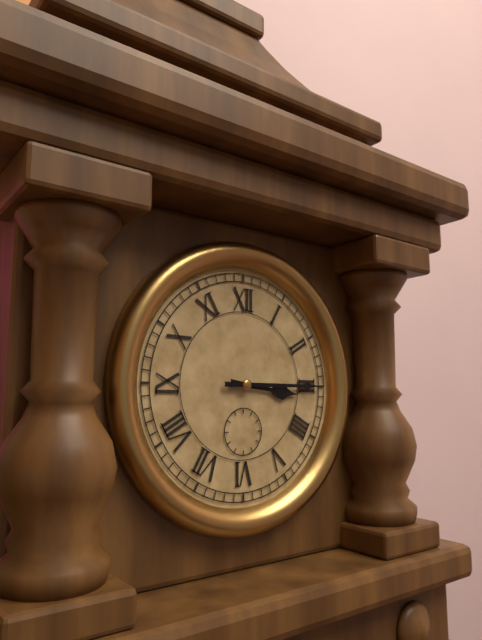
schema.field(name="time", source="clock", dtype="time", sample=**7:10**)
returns **3:15**
